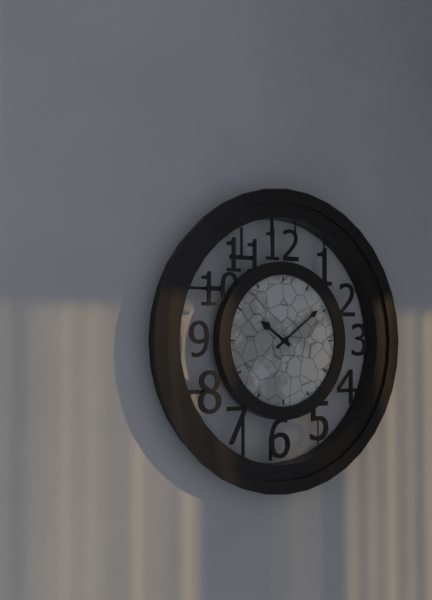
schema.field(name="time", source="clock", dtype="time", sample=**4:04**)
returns **10:09**
